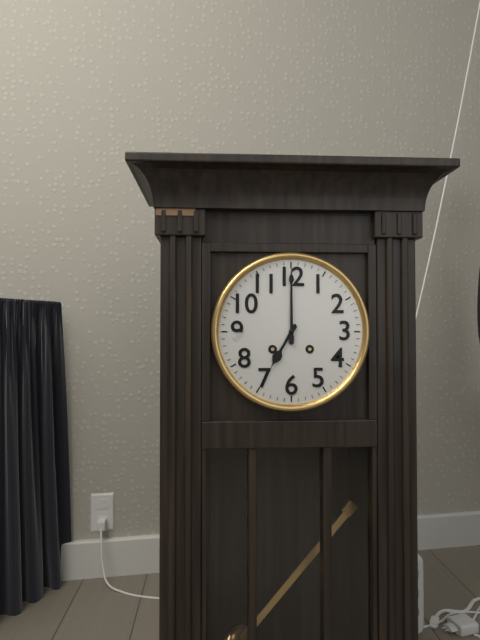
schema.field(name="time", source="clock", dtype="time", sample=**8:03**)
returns **7:00**
